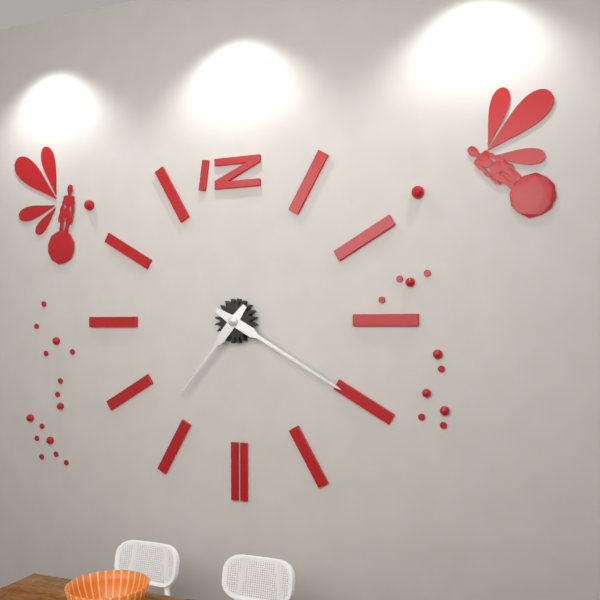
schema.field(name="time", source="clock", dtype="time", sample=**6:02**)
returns **7:20**
